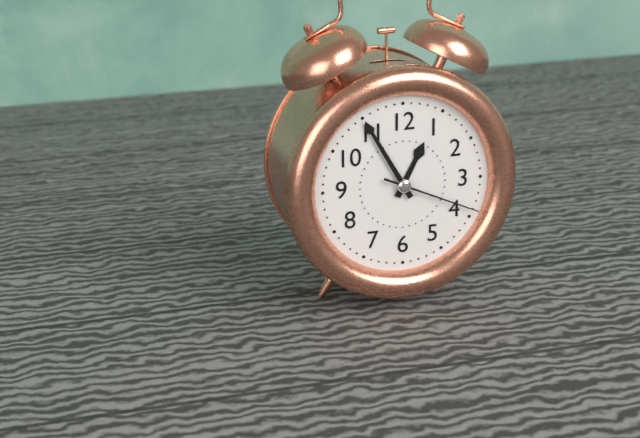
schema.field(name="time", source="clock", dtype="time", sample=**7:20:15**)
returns **12:55:19**
